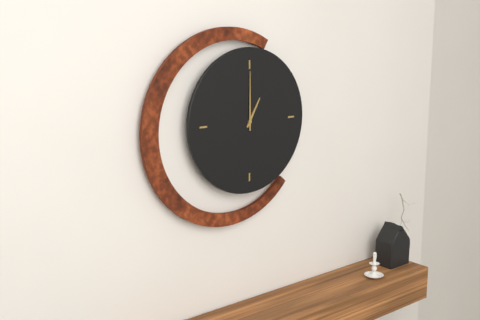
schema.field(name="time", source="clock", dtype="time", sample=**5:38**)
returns **1:00**
